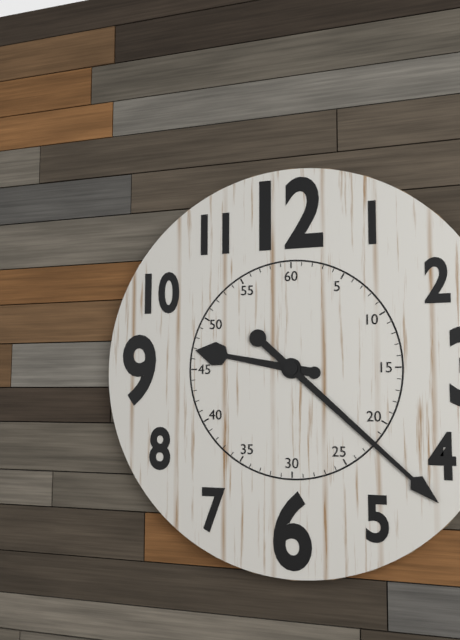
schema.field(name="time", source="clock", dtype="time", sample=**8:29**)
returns **9:22**
